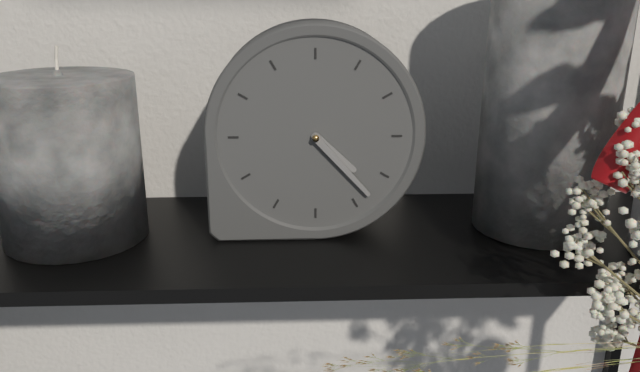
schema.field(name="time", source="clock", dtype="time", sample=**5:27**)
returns **4:23**
